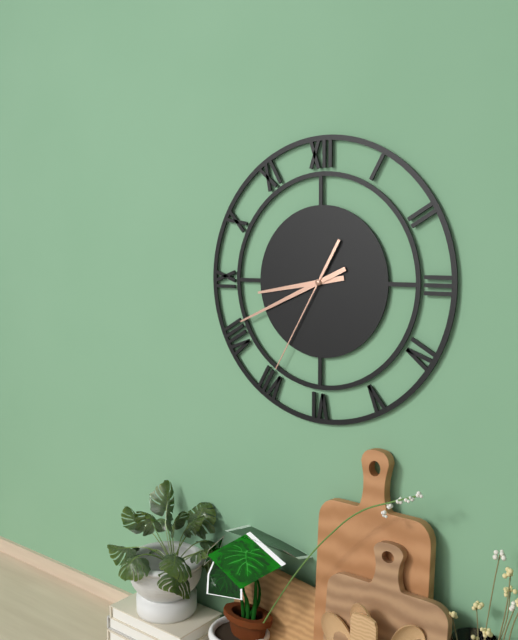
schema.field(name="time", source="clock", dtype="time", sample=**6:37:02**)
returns **8:41:35**
